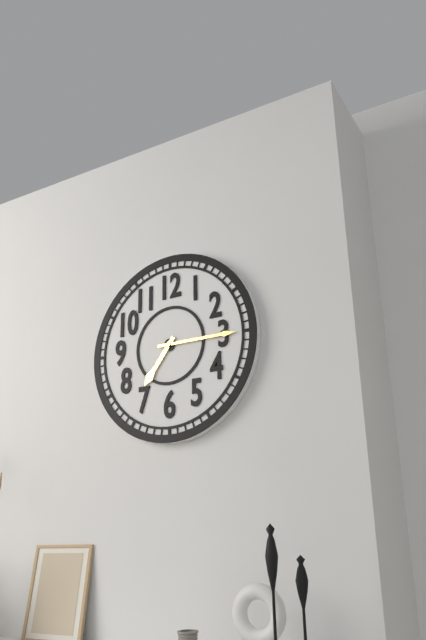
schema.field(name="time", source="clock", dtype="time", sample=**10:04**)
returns **7:15**
